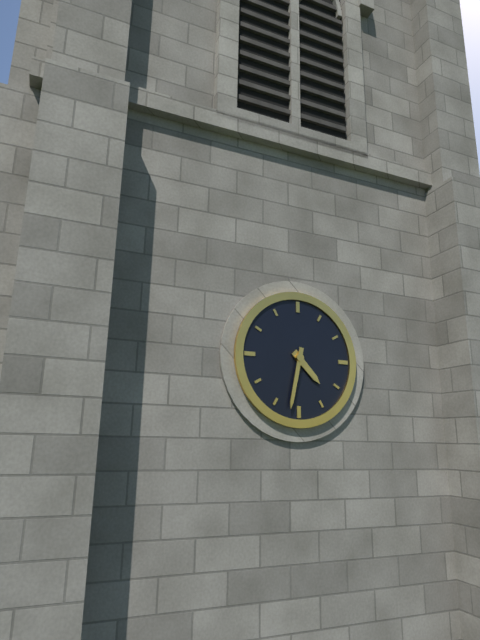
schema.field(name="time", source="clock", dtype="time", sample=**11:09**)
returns **4:32**
